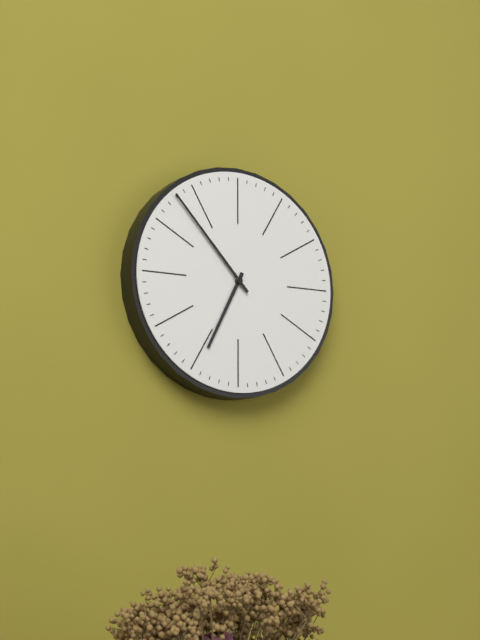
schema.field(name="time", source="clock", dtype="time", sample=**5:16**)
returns **6:53**
